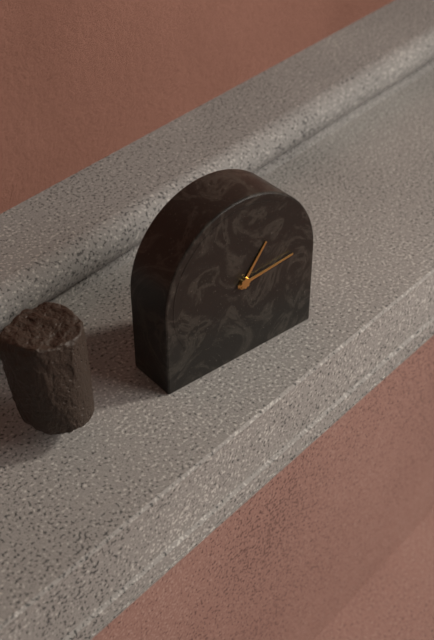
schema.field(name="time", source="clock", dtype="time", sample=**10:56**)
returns **1:14**
